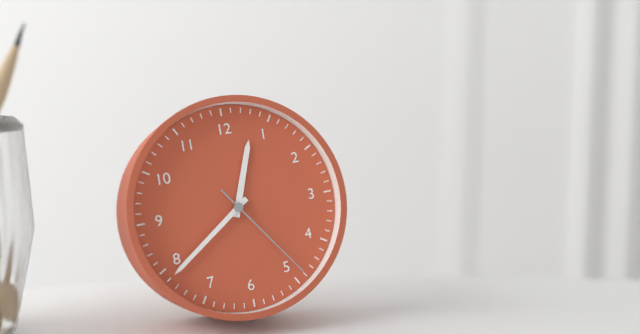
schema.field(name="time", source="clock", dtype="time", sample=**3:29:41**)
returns **12:39:24**
